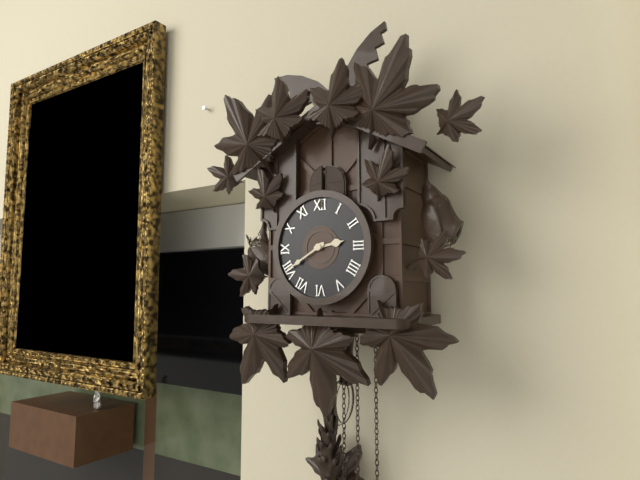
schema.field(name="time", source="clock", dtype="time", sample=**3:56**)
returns **2:40**
